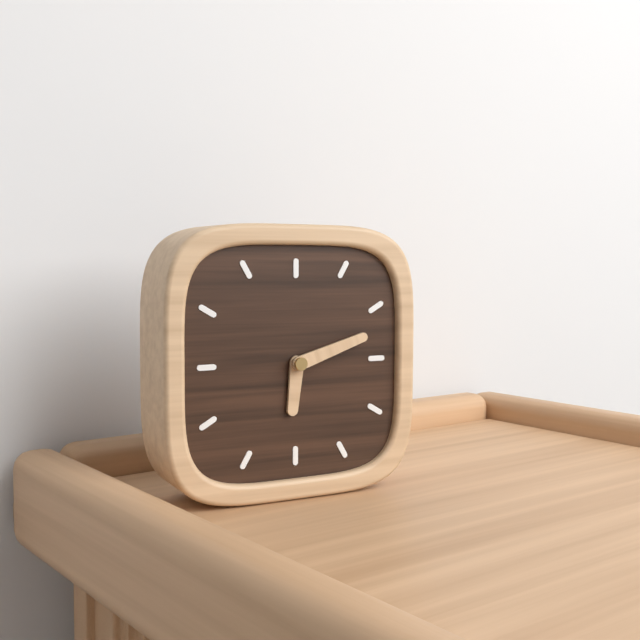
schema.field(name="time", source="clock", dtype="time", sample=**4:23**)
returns **6:12**
